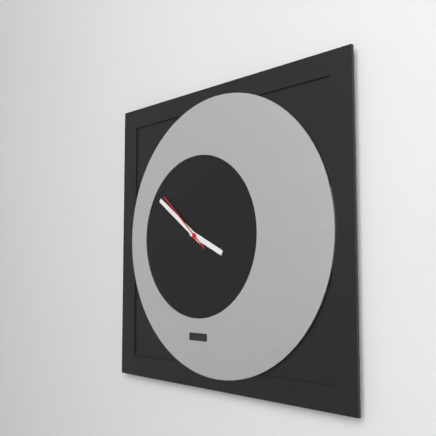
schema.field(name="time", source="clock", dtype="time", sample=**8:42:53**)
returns **3:51:52**
